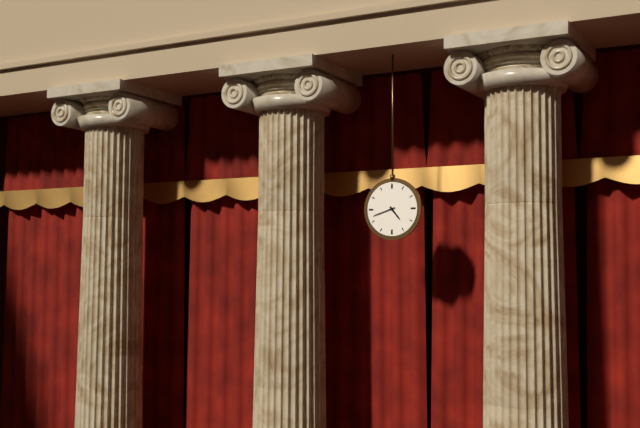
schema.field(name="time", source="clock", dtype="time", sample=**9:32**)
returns **4:42**
